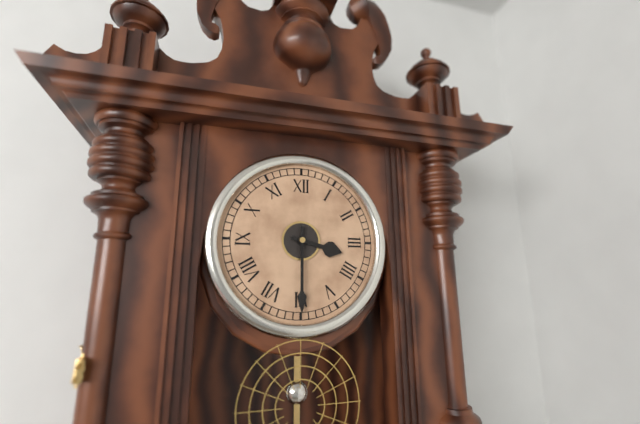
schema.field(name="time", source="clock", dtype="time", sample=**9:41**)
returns **3:30**
